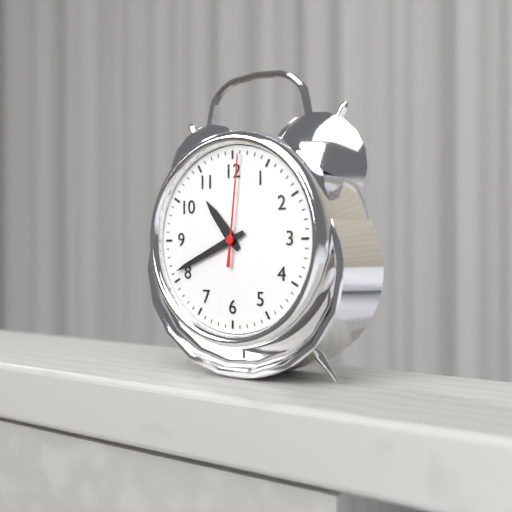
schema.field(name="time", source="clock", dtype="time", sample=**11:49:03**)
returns **10:41:01**
